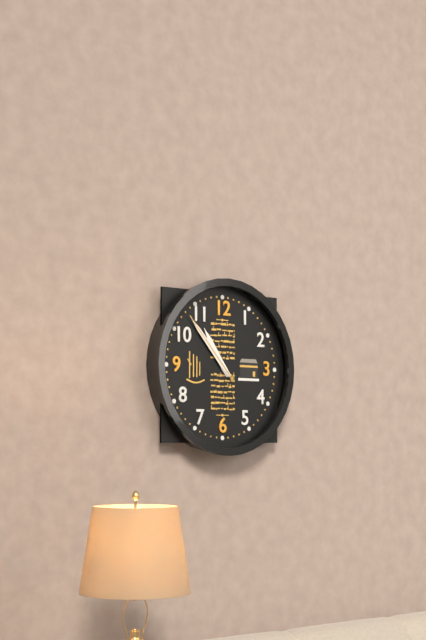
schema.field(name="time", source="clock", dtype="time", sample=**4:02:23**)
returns **10:53:53**
